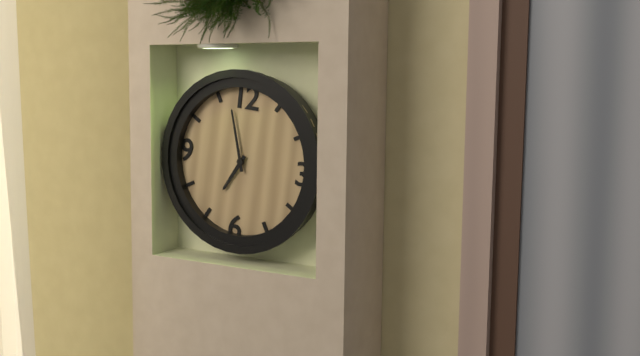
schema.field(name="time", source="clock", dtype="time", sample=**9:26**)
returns **6:57**
